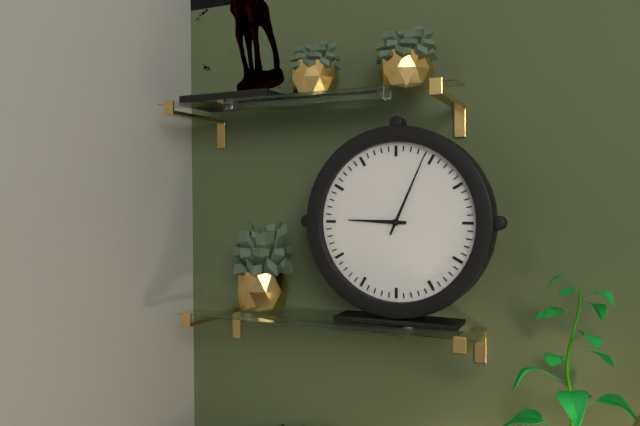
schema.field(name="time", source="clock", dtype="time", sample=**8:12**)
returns **9:04**
